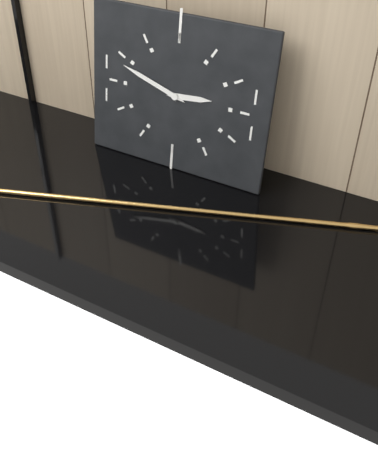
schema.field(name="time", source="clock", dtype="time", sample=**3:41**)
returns **2:48**
